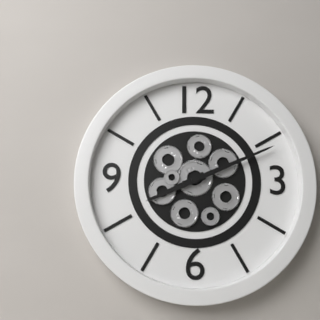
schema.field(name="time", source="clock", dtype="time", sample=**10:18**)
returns **8:11**
